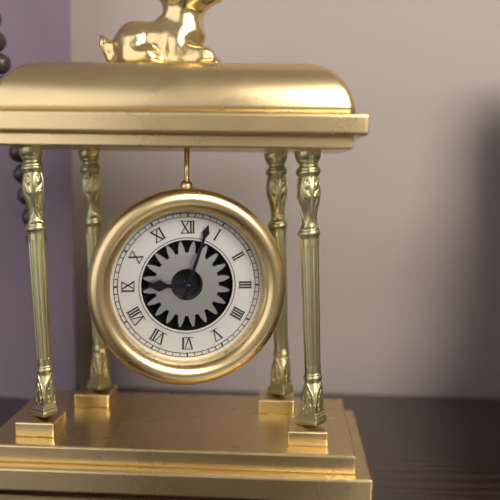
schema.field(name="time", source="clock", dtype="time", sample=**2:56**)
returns **9:03**
